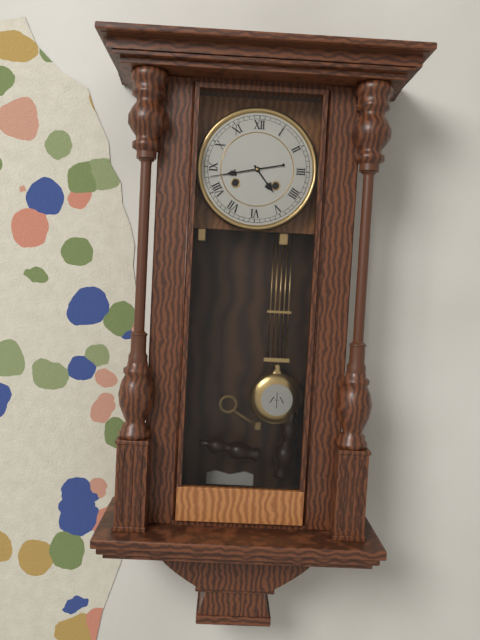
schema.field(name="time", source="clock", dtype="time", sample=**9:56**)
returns **4:43**
